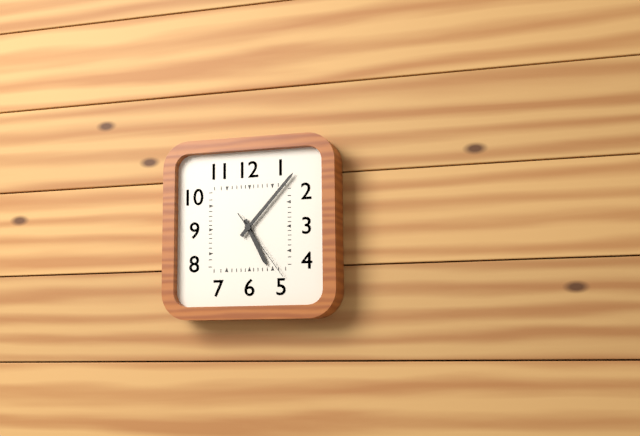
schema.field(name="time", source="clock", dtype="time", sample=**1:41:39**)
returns **5:07:24**
